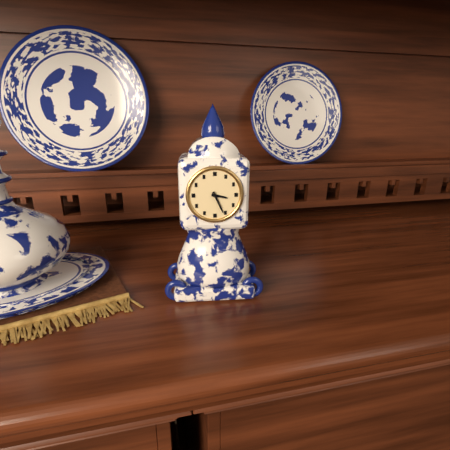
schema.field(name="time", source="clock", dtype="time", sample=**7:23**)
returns **3:26**
